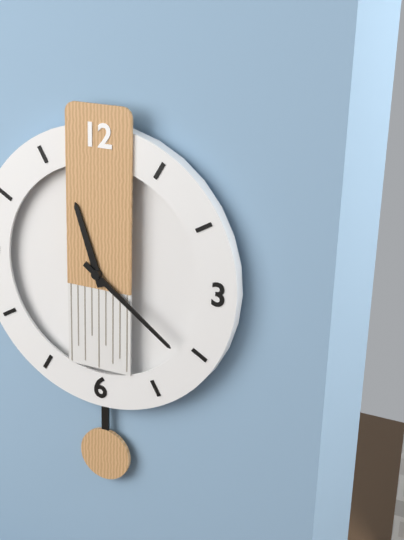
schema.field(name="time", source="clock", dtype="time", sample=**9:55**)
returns **11:21**
